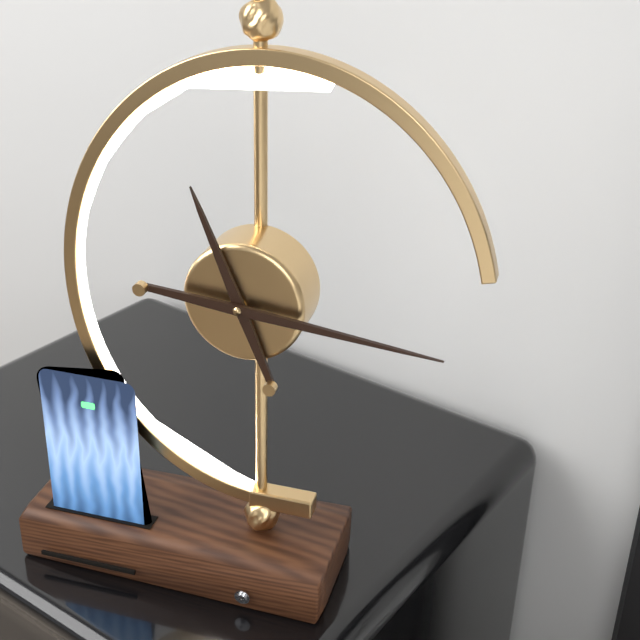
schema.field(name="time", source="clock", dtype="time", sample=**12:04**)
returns **11:16**
